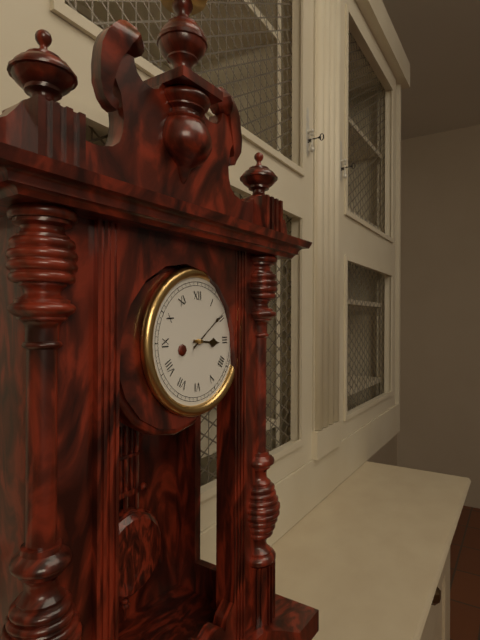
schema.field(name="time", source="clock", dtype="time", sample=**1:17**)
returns **3:09**
